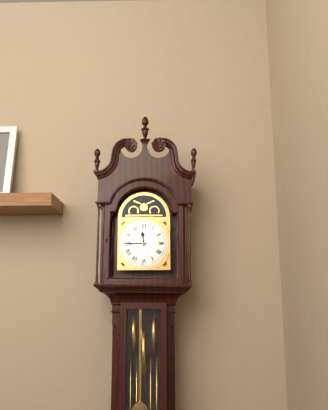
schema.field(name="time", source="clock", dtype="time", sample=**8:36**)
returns **11:45**
